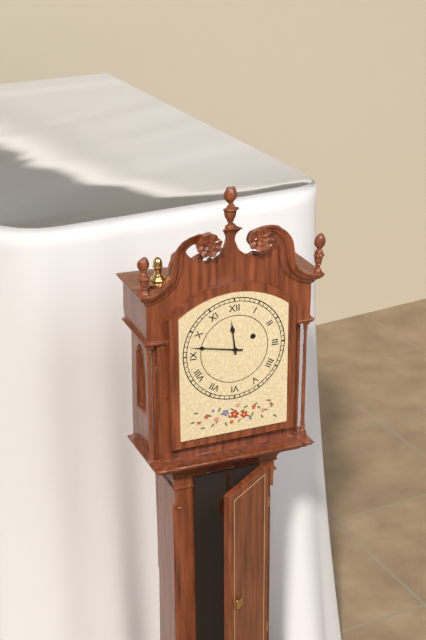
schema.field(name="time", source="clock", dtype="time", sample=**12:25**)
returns **11:47**
